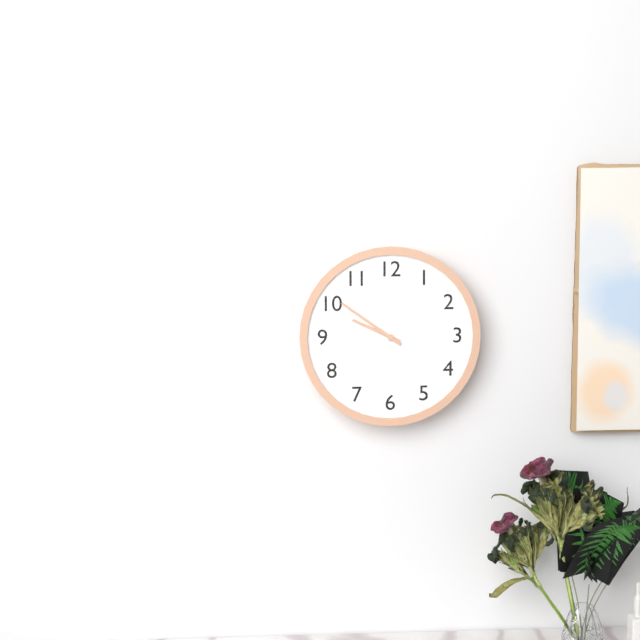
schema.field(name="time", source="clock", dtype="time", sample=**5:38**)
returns **9:51**
